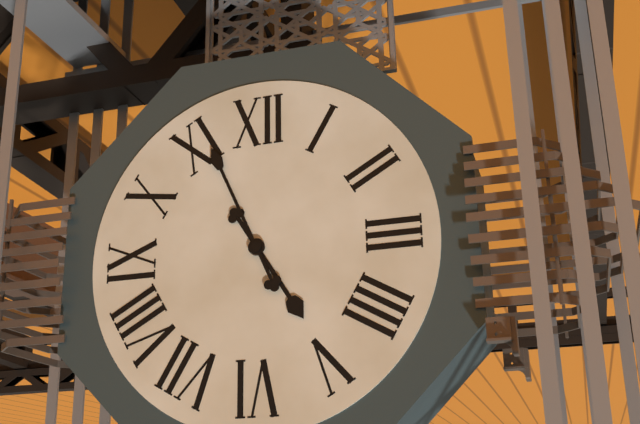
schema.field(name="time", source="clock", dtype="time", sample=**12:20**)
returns **4:56**
